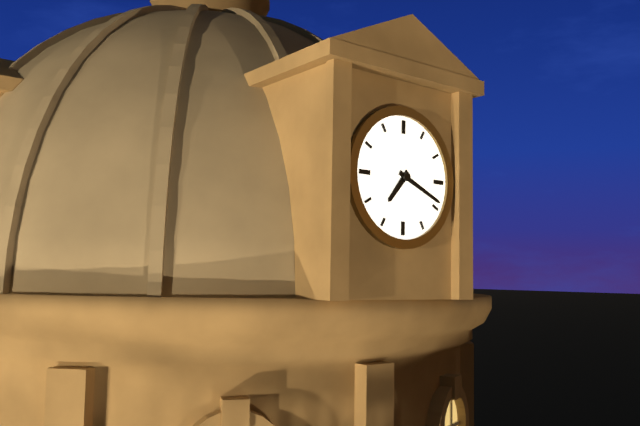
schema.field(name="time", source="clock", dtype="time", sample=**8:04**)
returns **7:19**
